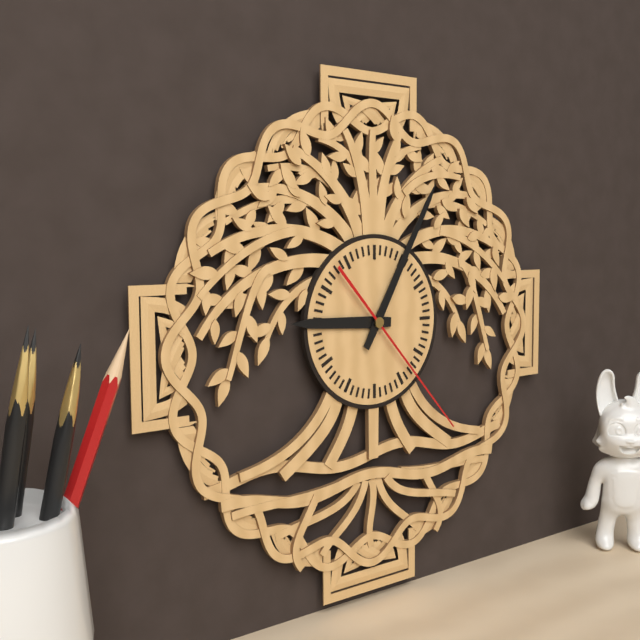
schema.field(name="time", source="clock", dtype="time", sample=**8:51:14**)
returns **9:05:23**
